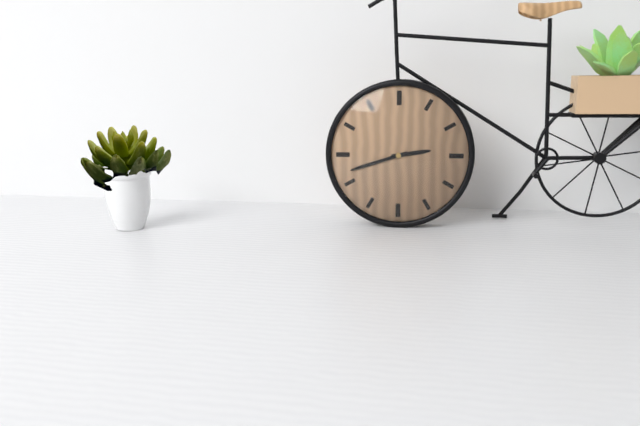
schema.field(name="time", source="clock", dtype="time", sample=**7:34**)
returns **2:42**
